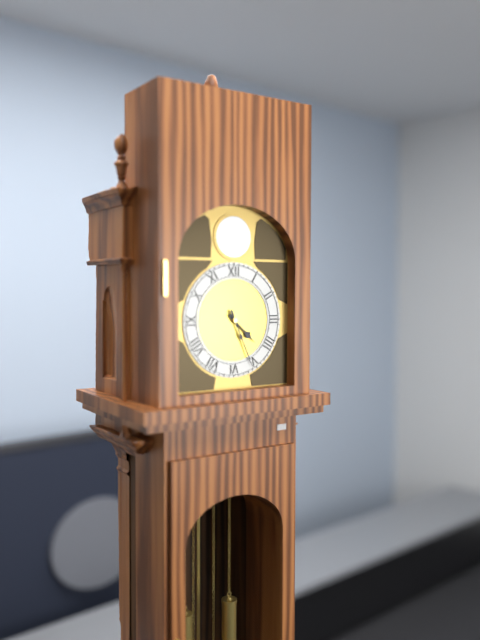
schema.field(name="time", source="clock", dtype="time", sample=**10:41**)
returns **4:26**
